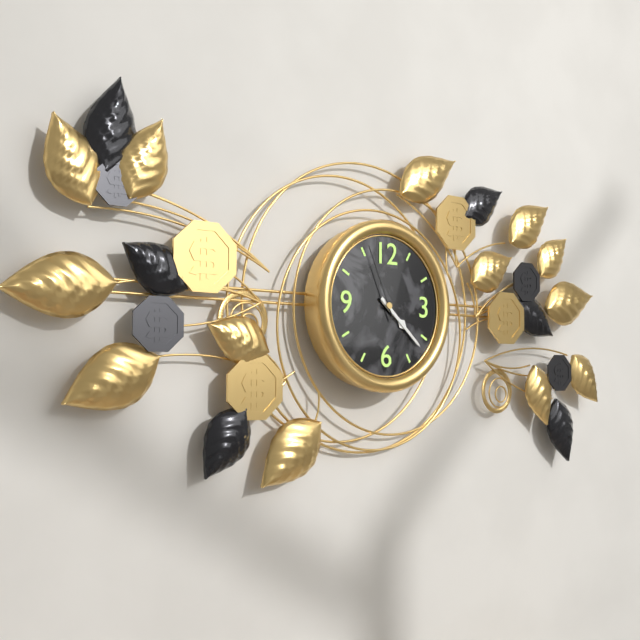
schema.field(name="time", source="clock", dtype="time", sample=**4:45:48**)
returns **4:22:56**
